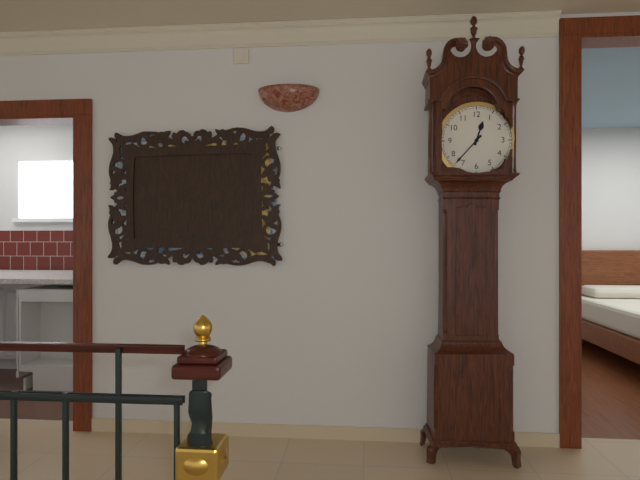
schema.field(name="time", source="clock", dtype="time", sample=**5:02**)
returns **12:37**
